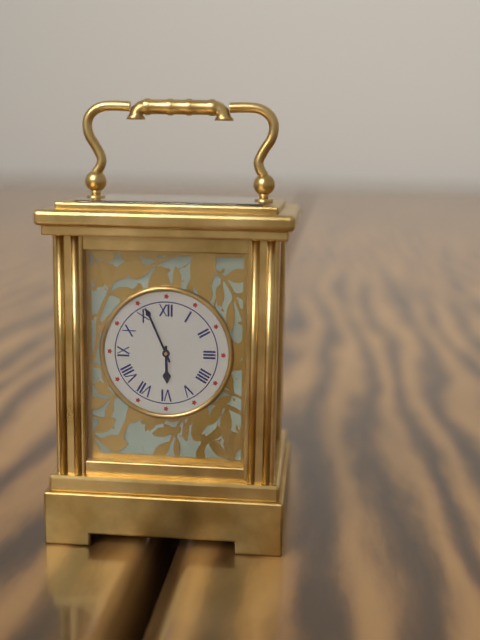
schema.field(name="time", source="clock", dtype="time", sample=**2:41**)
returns **5:56**
